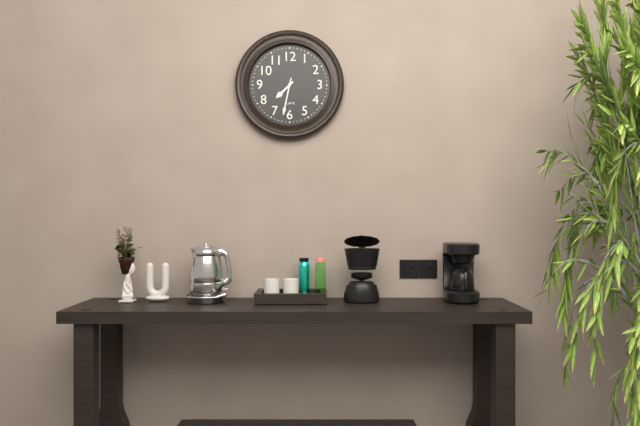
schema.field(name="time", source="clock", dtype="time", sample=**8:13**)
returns **7:32**
